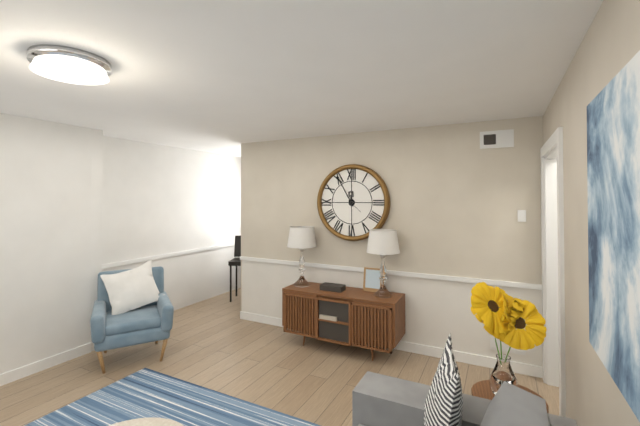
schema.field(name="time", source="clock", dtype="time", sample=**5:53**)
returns **11:55**
